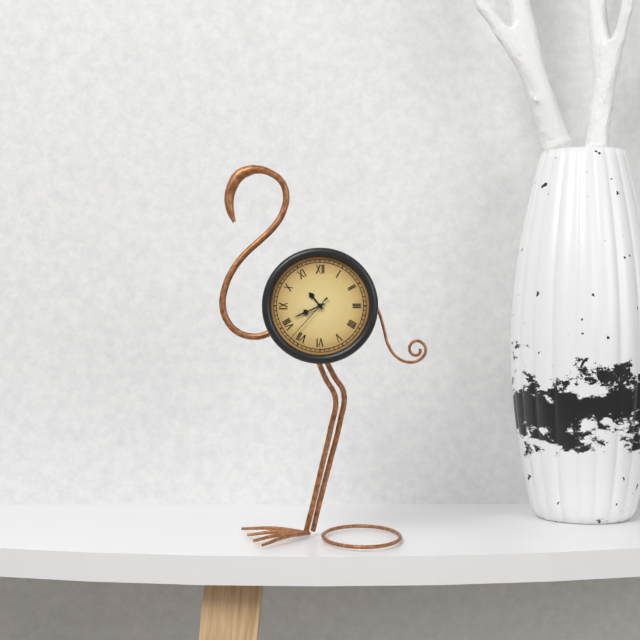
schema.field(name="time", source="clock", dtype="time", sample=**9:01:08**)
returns **10:41:37**
